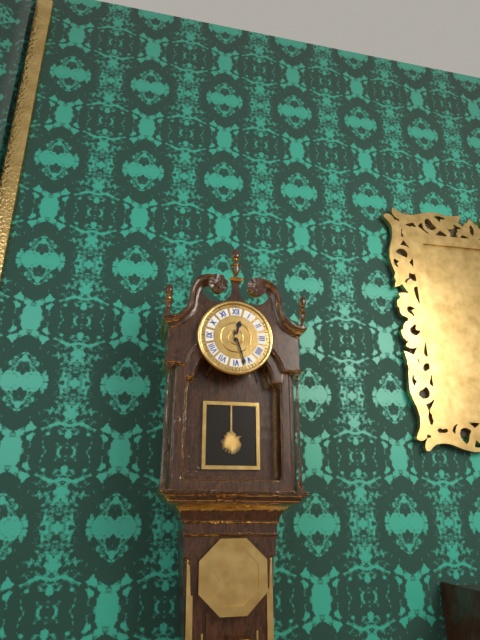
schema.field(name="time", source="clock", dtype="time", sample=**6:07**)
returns **12:27**
